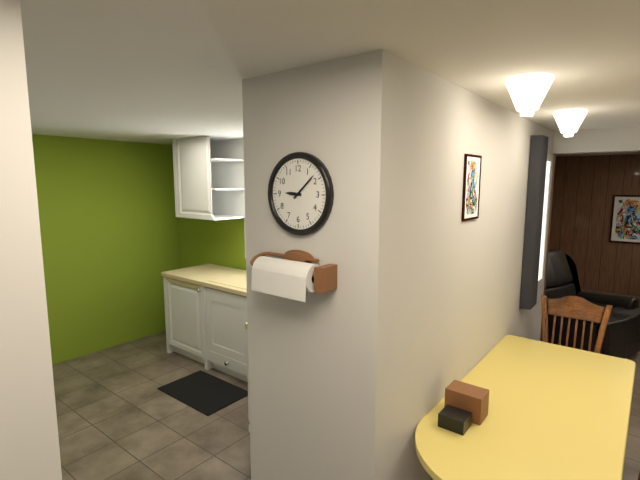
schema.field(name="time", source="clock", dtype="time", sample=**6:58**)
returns **9:08**
